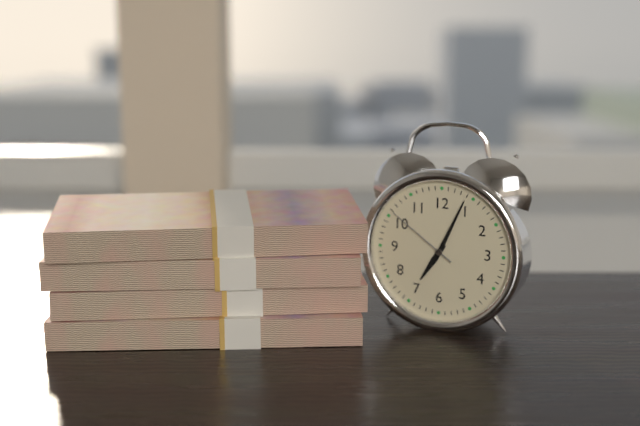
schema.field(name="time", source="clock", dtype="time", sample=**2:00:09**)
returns **7:04:51**
